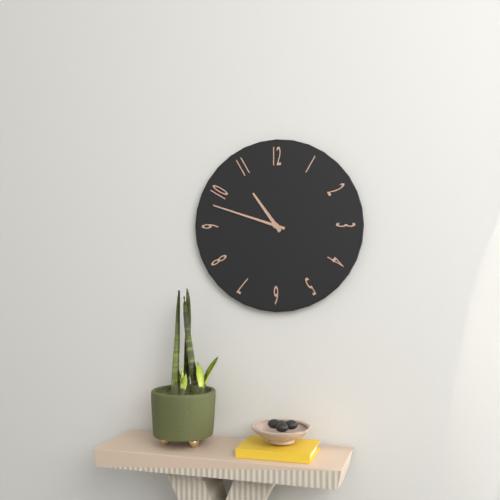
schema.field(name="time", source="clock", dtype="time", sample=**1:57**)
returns **10:48**
